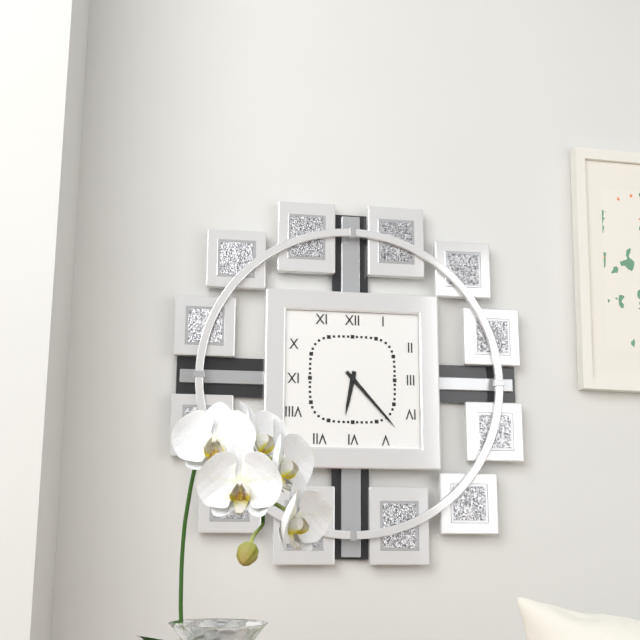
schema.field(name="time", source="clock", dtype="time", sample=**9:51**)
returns **6:23**
